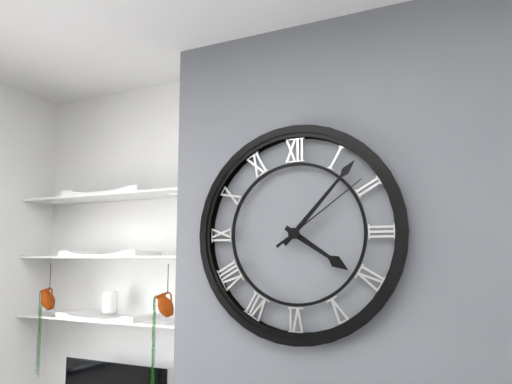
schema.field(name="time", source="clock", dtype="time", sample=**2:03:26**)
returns **4:07:09**
